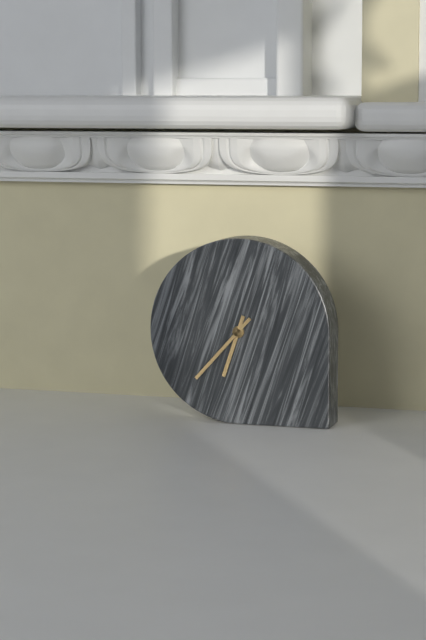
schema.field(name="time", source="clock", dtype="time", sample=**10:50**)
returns **6:37**
